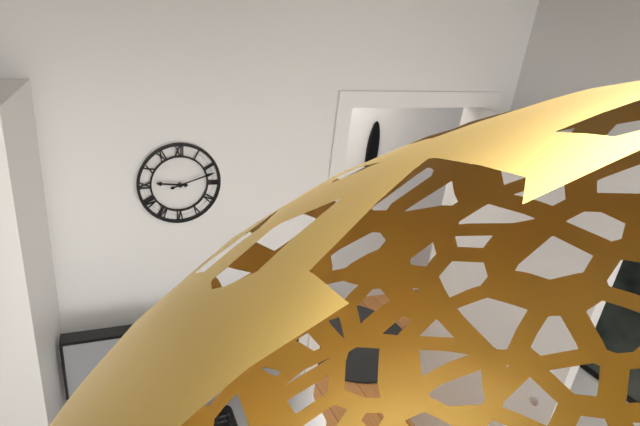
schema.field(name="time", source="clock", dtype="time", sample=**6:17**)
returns **9:12**
